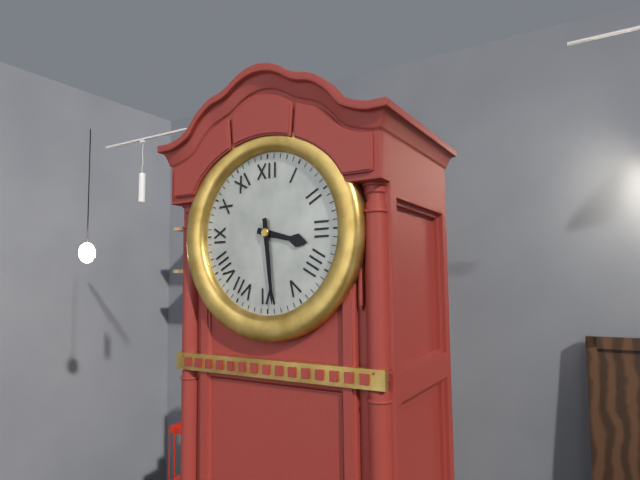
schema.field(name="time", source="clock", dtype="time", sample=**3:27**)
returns **3:29**
